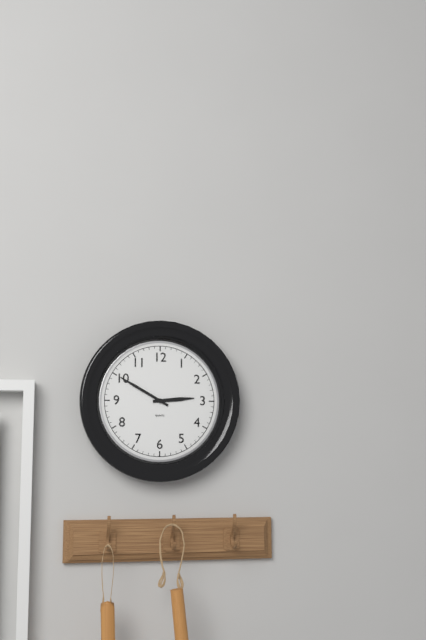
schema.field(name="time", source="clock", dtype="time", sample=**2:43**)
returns **2:50**
